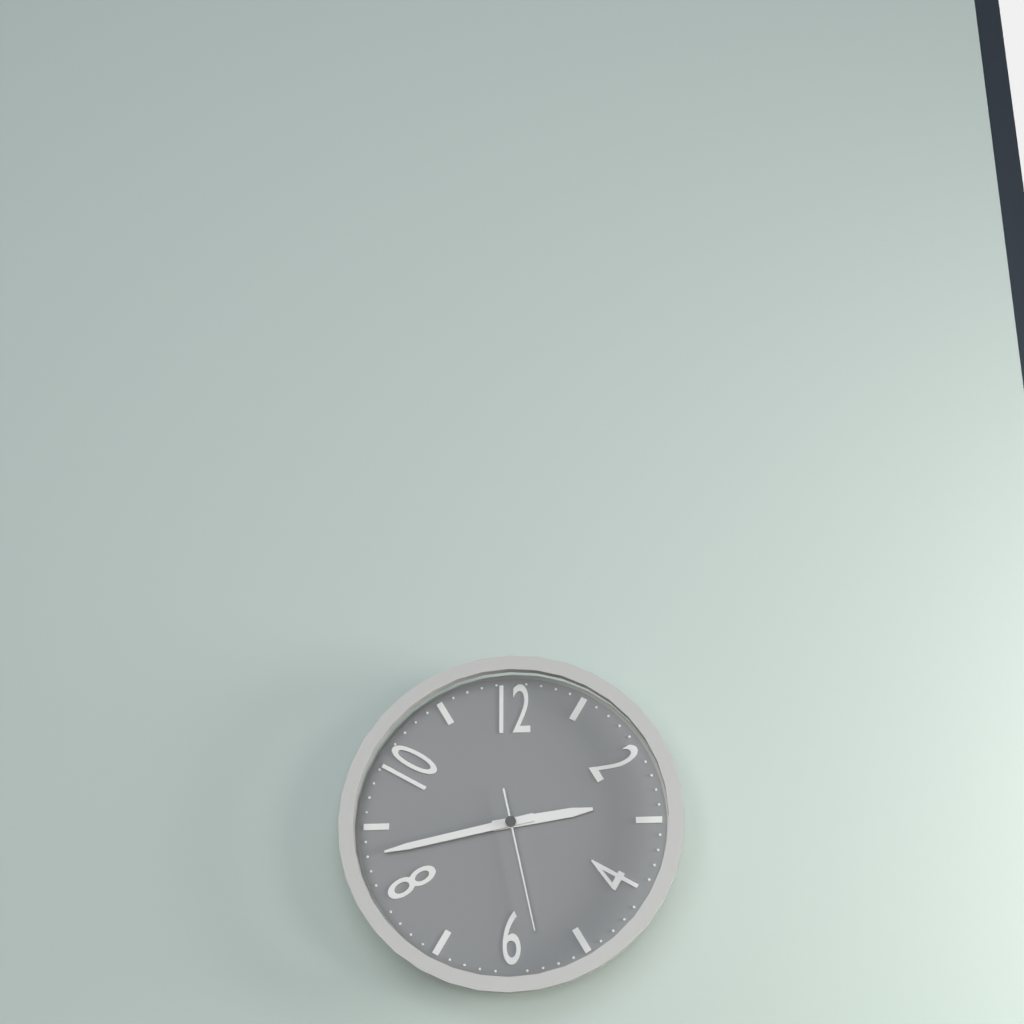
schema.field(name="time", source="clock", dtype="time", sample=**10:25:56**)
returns **2:43:28**
